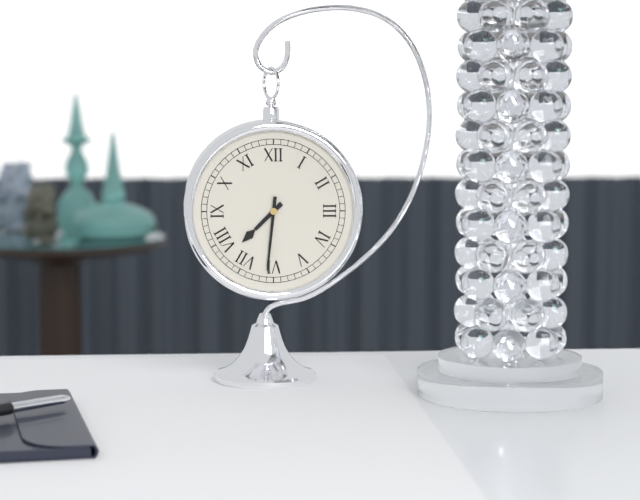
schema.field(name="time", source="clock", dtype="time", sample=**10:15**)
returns **7:31**
